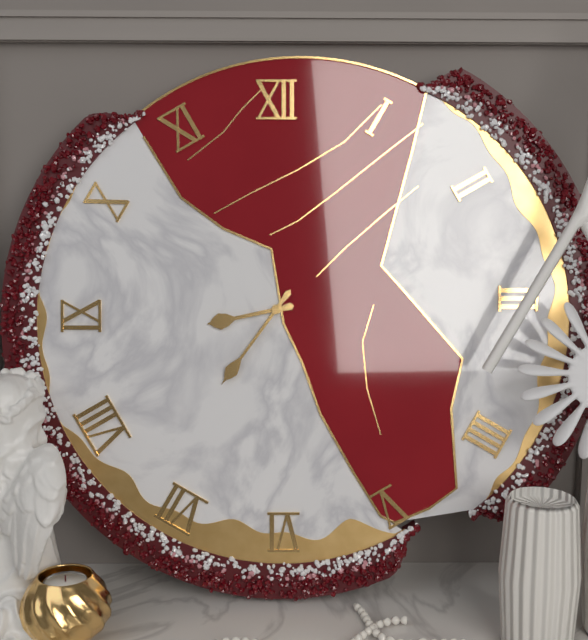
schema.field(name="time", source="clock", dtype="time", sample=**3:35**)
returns **8:36**
